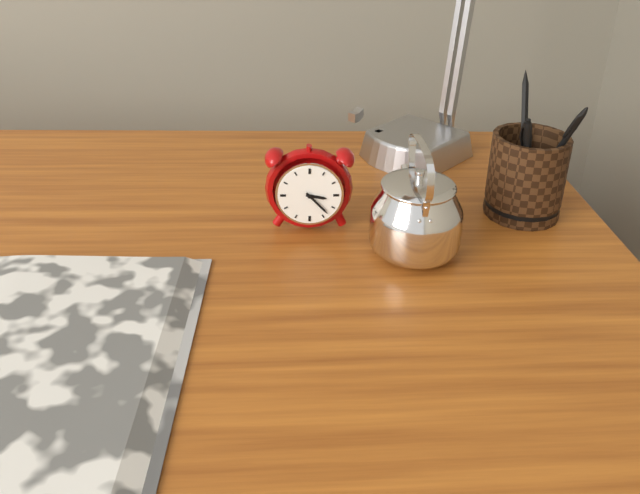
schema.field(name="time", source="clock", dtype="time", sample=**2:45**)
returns **3:23**
